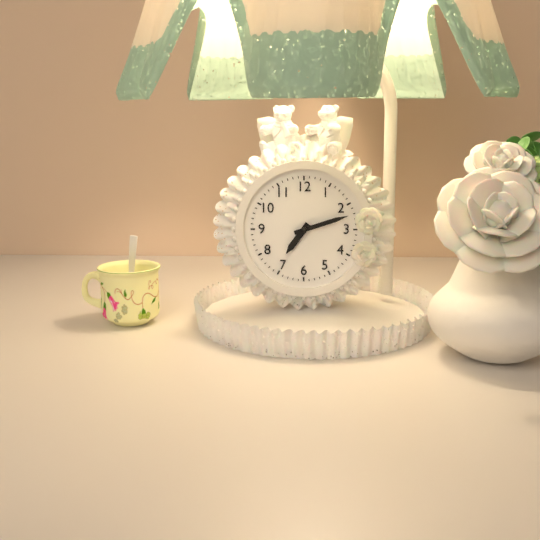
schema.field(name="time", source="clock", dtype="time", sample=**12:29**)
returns **7:12**
